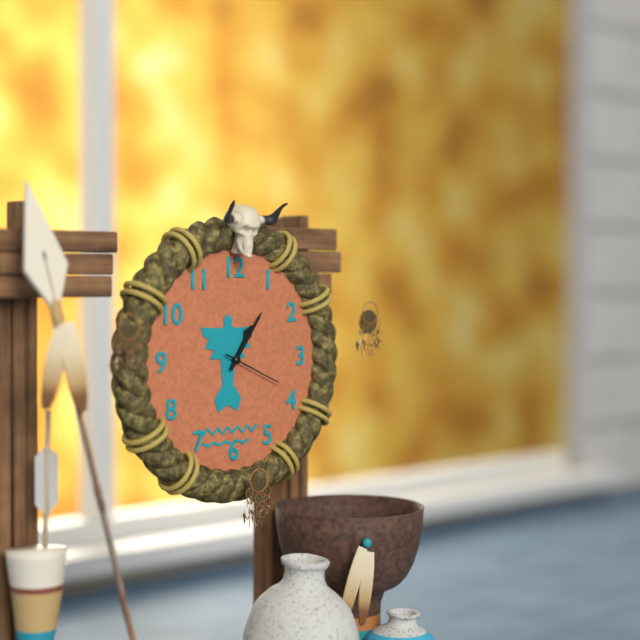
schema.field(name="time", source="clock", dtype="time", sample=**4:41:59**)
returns **1:06:19**
